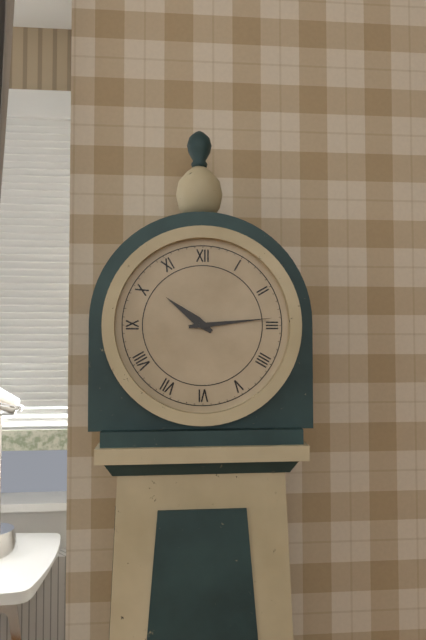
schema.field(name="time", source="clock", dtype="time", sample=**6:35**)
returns **10:14**
